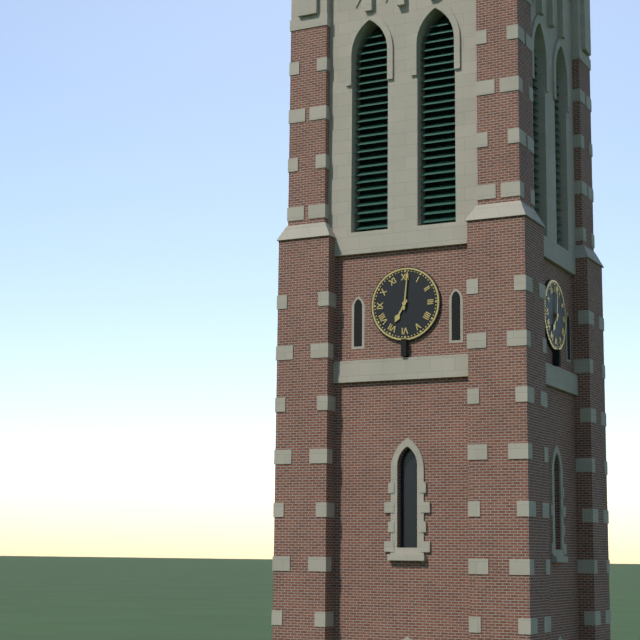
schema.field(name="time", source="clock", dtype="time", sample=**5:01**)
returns **7:01**
